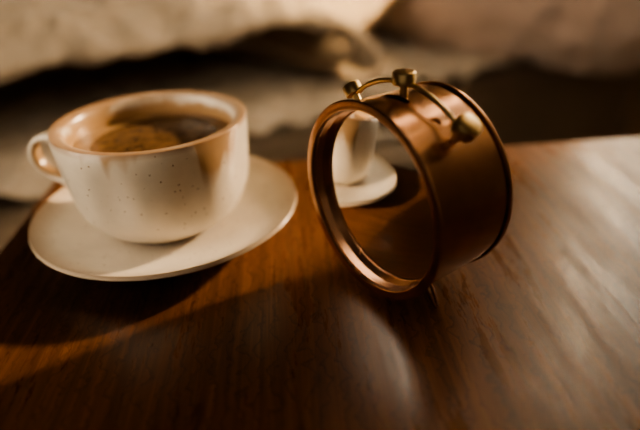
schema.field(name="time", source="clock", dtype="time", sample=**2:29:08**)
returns **7:20:33**
